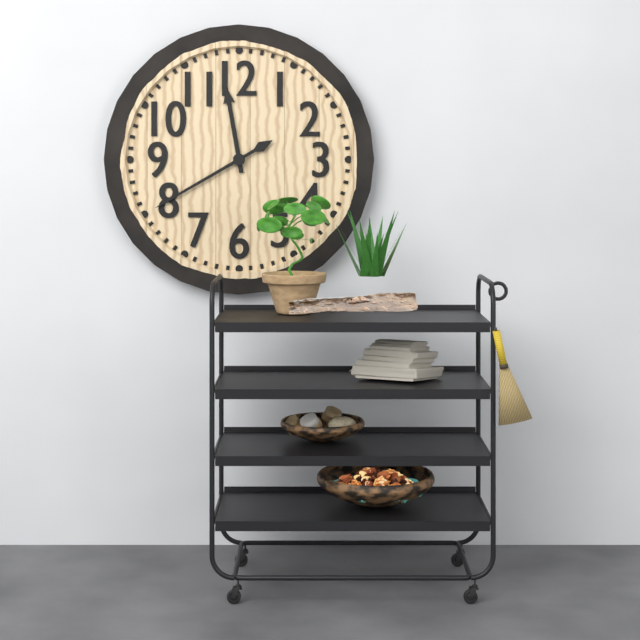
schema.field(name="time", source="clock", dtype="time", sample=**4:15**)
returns **11:40**
